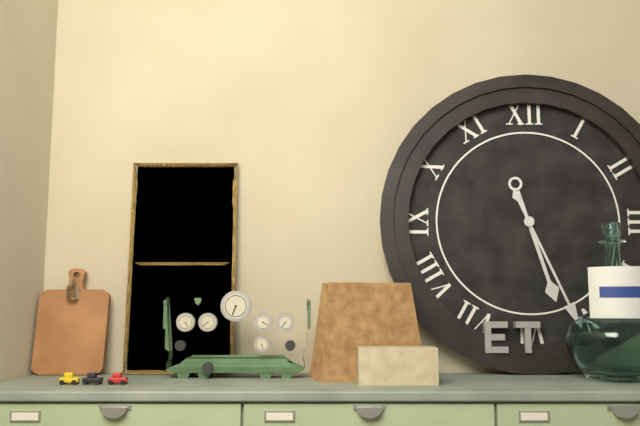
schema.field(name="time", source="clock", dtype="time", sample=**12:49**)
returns **5:26**
